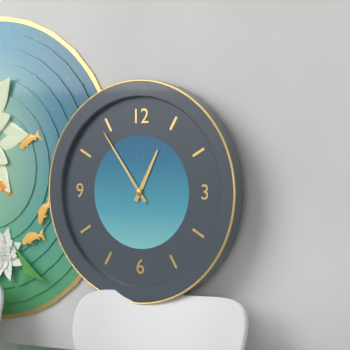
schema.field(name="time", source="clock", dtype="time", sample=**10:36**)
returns **12:54**
